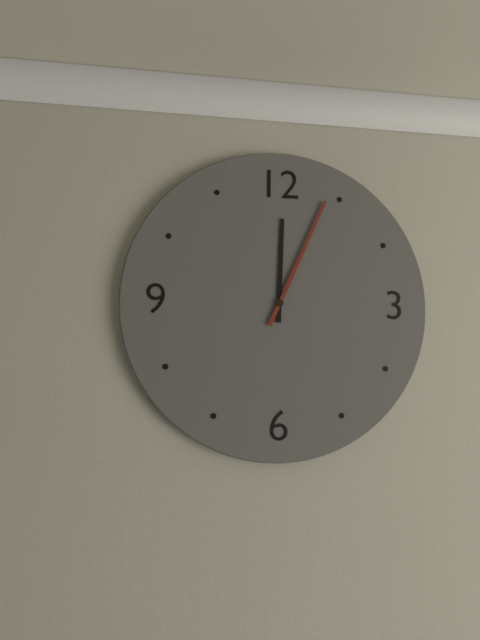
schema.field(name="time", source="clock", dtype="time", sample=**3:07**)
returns **12:04**
